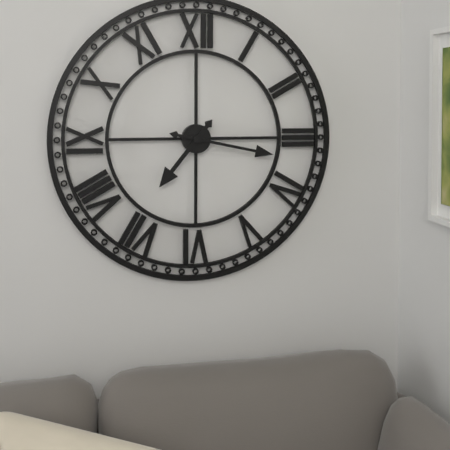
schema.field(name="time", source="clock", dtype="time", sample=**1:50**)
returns **7:17**
